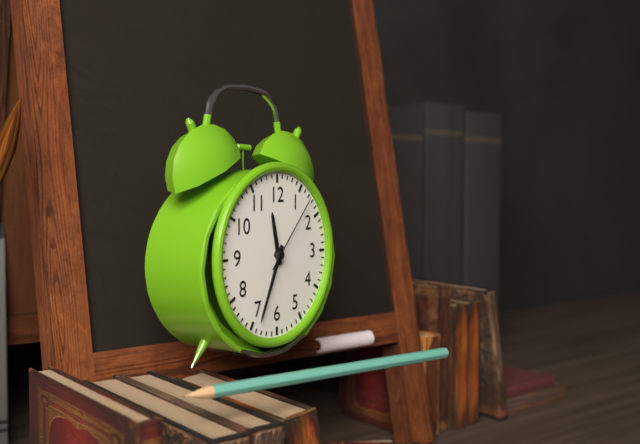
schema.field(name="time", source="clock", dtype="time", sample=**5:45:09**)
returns **11:34:07**
